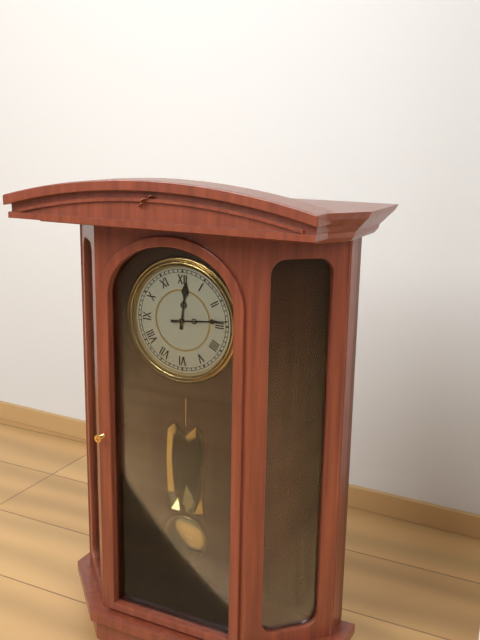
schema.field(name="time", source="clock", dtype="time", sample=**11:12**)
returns **12:14**
